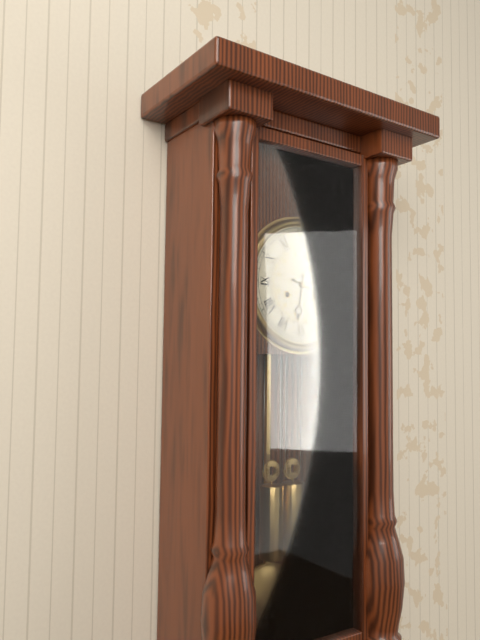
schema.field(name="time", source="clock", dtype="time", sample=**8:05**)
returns **6:18**
